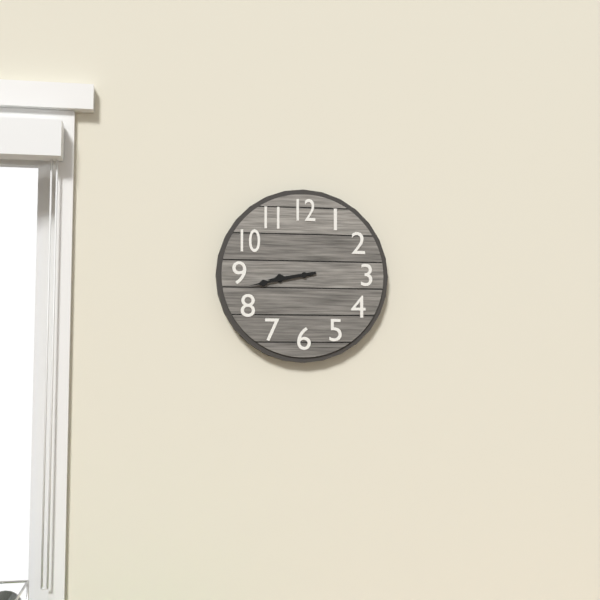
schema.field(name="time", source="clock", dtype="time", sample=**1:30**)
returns **8:43**
